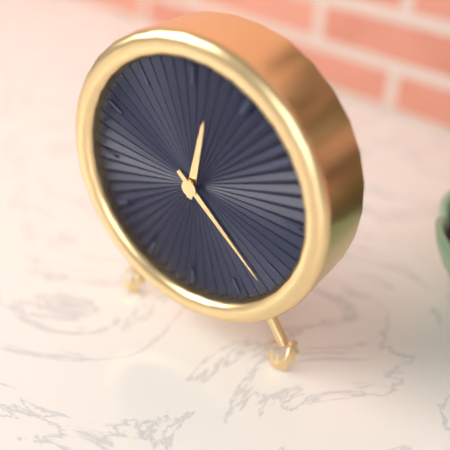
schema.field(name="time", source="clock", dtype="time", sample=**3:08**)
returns **12:22**
